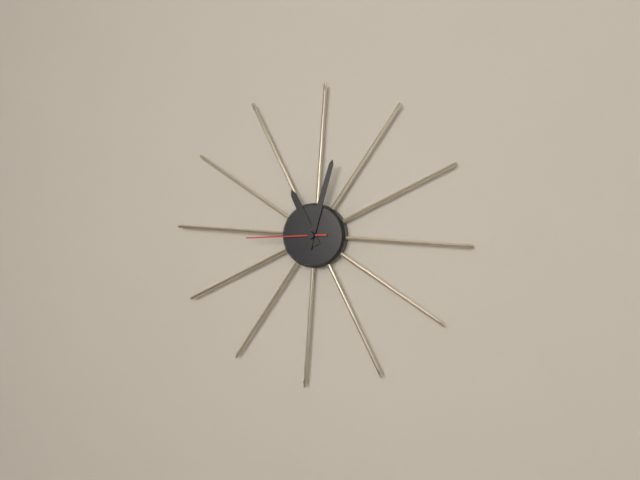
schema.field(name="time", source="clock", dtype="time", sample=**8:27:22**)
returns **11:02:44**
